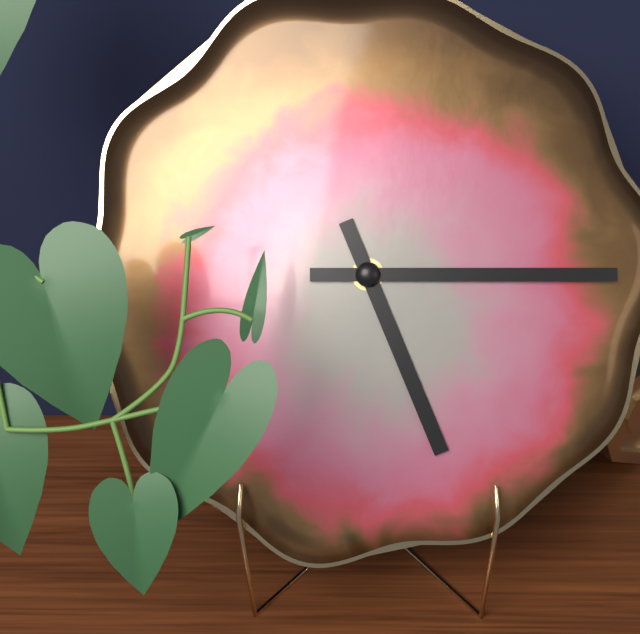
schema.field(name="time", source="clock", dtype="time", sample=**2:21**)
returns **5:15**
